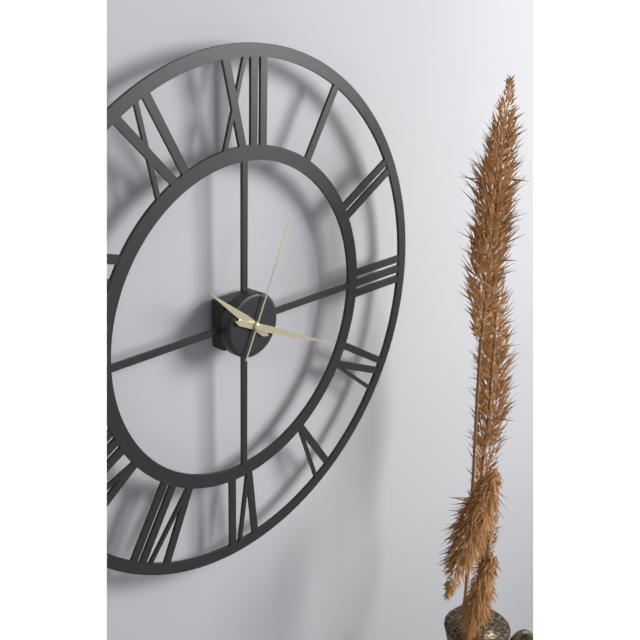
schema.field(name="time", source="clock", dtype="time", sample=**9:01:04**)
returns **10:19:04**
